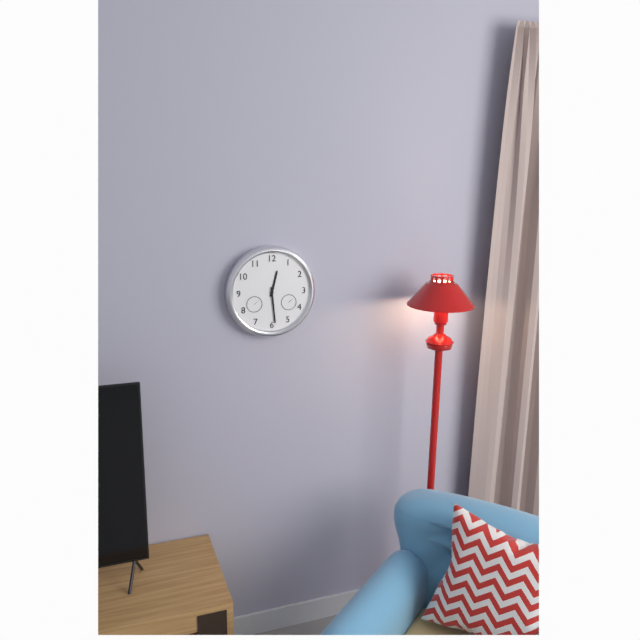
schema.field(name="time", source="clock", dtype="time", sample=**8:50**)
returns **12:29**
